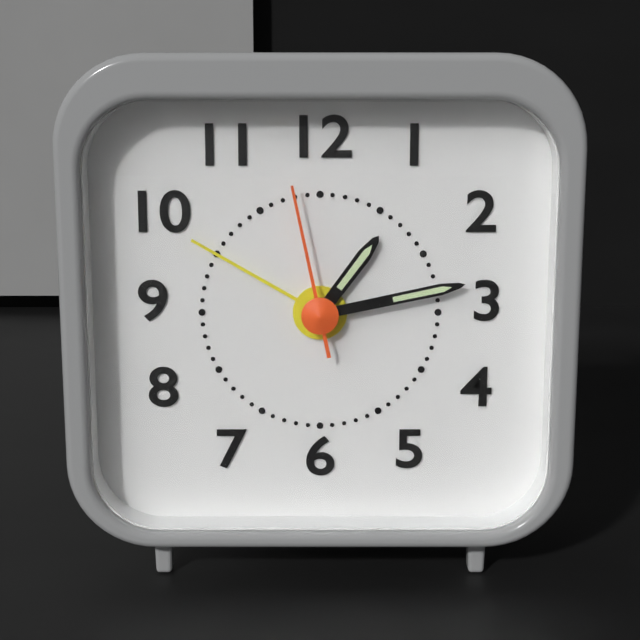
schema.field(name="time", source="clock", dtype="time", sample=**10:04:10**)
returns **1:13:58**
